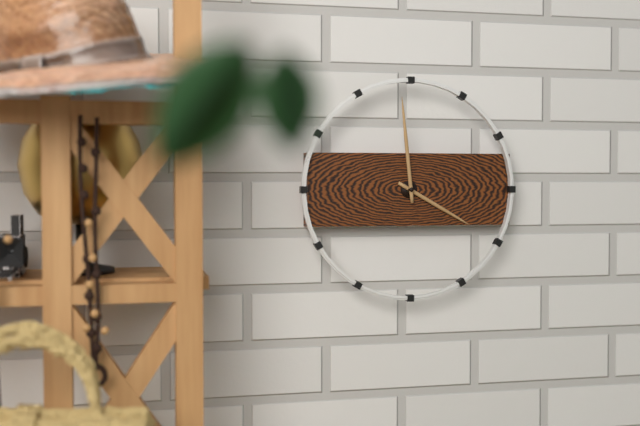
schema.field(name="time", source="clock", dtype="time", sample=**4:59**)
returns **3:59**
